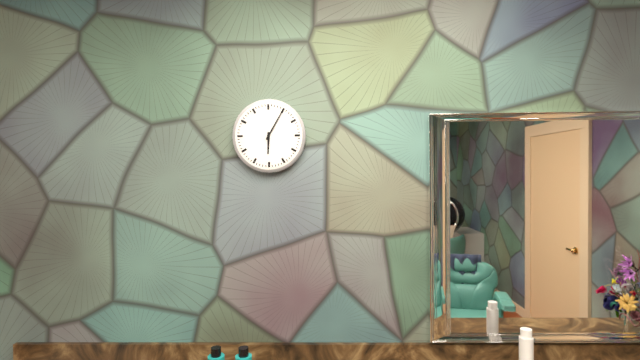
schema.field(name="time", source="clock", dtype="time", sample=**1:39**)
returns **6:05**
